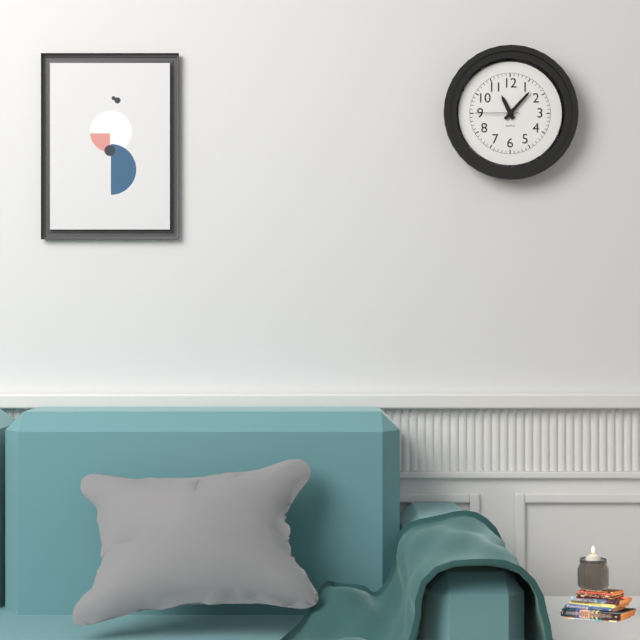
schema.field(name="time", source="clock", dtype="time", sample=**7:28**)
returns **11:07**
